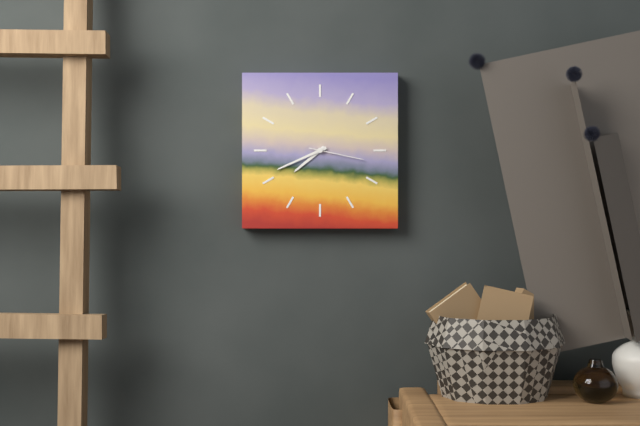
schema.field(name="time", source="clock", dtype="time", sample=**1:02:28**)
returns **7:41:17**
